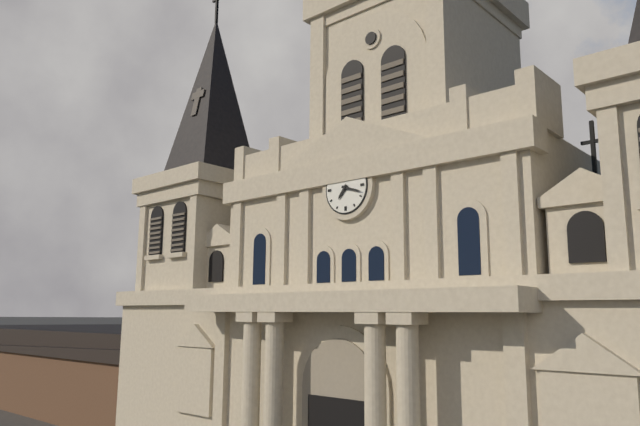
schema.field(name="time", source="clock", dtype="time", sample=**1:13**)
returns **7:18**
